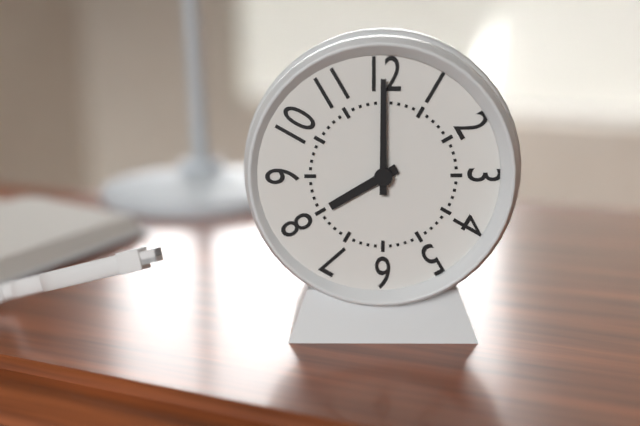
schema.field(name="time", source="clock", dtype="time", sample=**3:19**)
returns **8:00**
